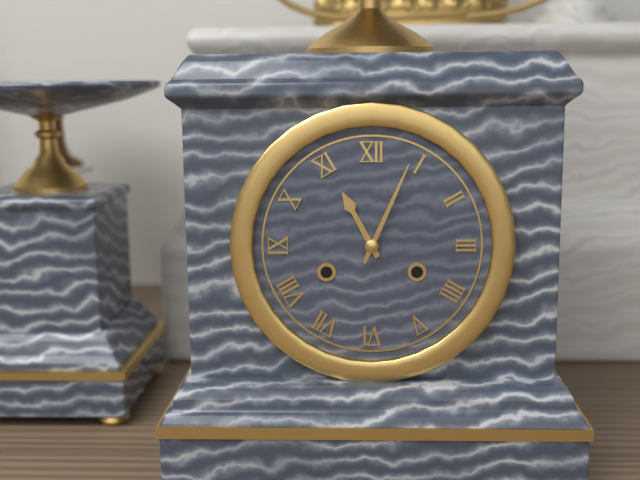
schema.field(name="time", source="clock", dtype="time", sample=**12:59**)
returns **11:04**
